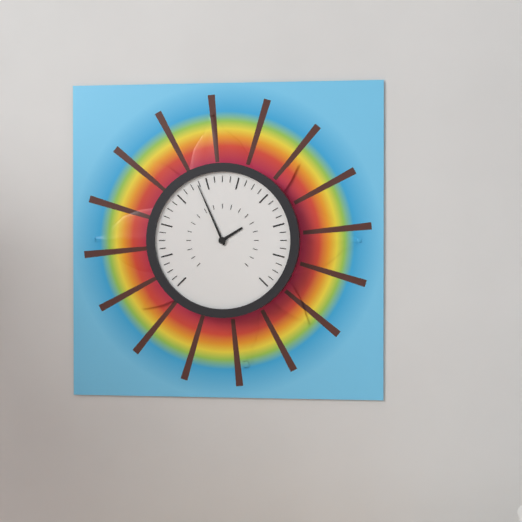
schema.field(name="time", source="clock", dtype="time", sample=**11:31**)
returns **1:56**
